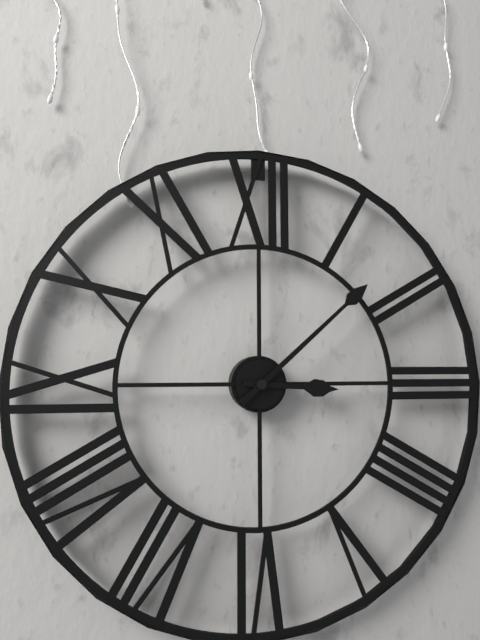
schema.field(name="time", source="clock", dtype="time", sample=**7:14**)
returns **3:08**
